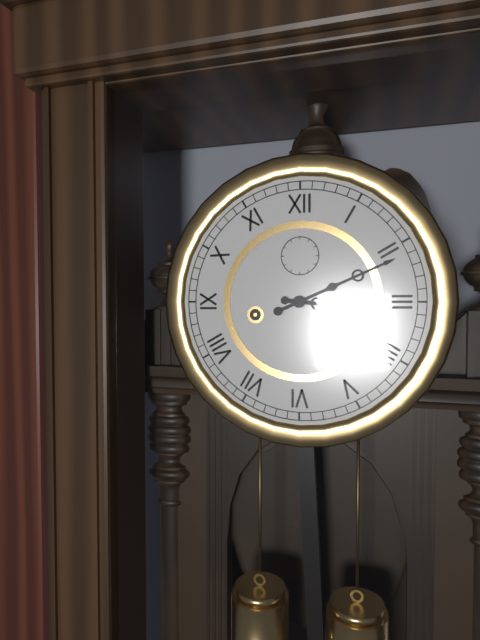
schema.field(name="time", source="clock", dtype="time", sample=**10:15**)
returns **3:11**
